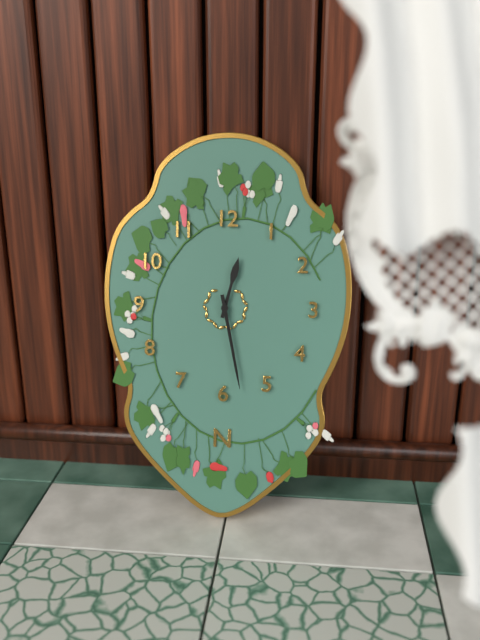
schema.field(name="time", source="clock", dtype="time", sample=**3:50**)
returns **12:28**
